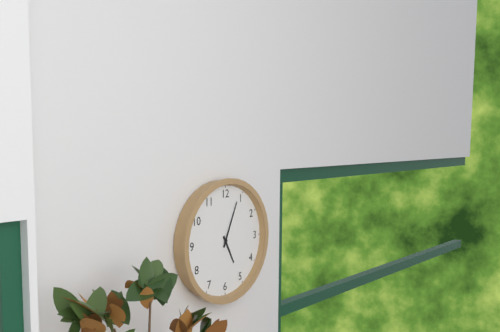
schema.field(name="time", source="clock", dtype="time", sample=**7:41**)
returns **5:04**
